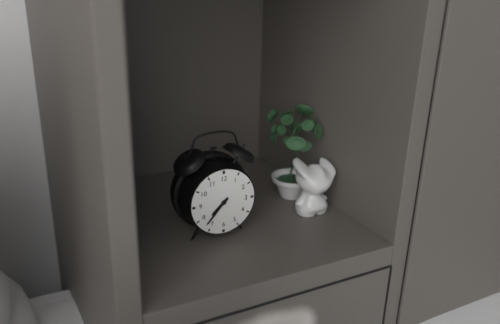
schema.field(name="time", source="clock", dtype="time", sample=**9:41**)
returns **7:37**
